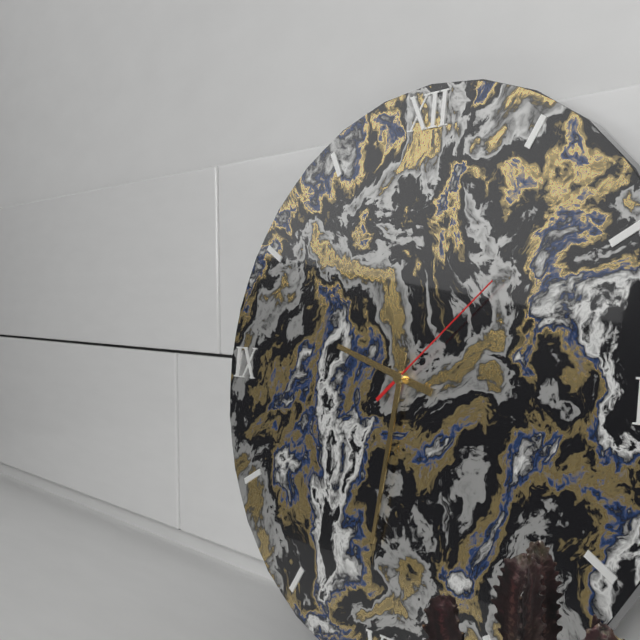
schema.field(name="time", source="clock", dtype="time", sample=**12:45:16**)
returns **9:31:08**
